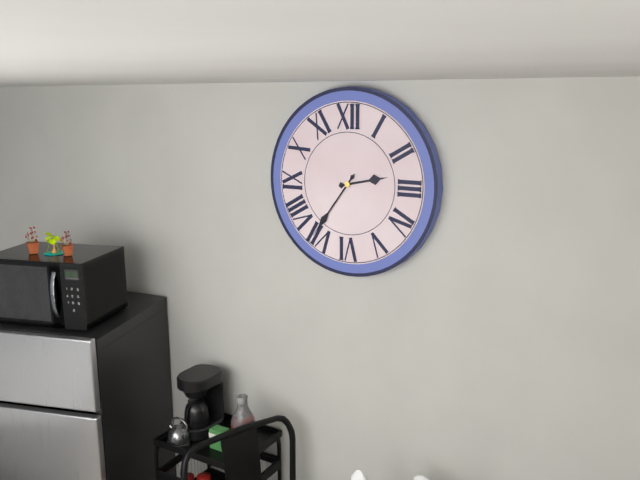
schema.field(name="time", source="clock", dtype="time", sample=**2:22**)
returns **2:36**
